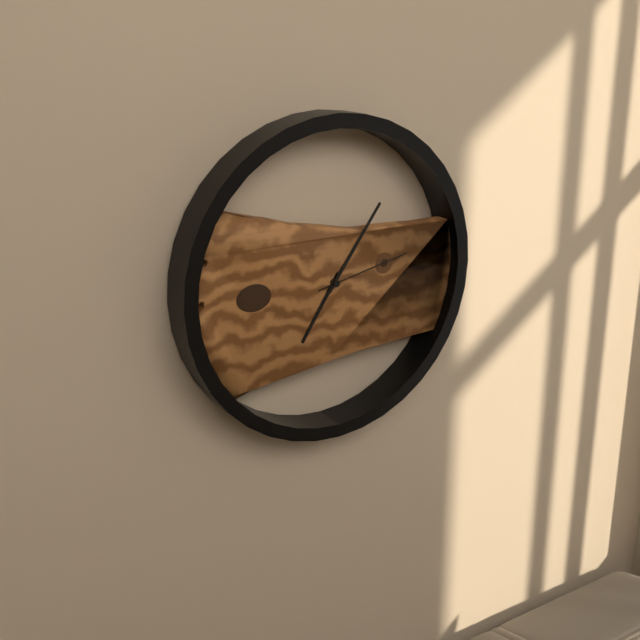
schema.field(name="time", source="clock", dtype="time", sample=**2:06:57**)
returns **7:06:13**
